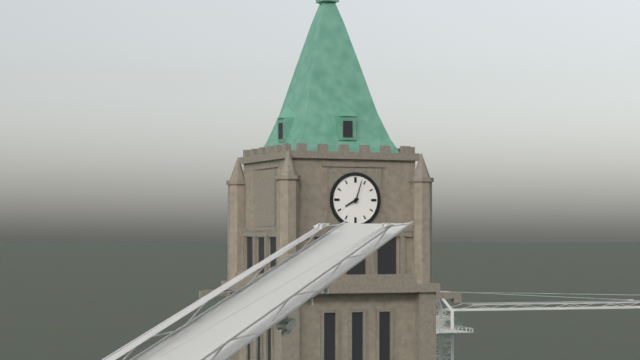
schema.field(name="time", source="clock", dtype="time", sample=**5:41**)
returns **8:03**
